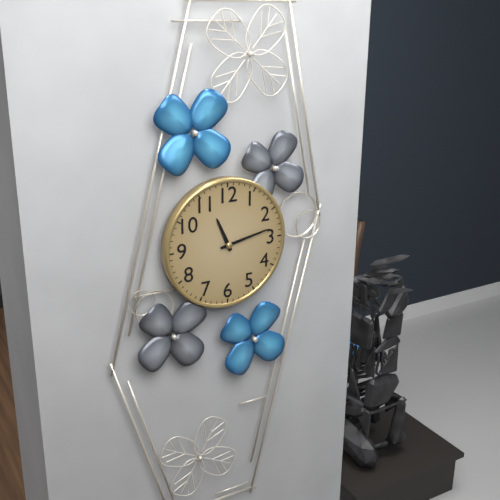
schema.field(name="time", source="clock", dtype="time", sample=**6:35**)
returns **11:13**
